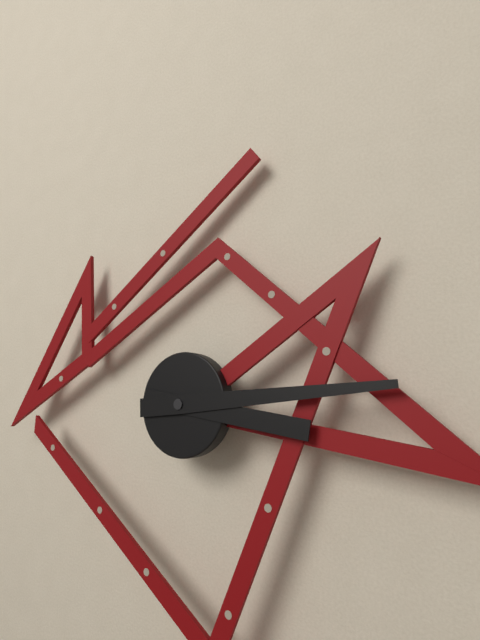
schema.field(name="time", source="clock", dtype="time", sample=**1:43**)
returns **3:14**
